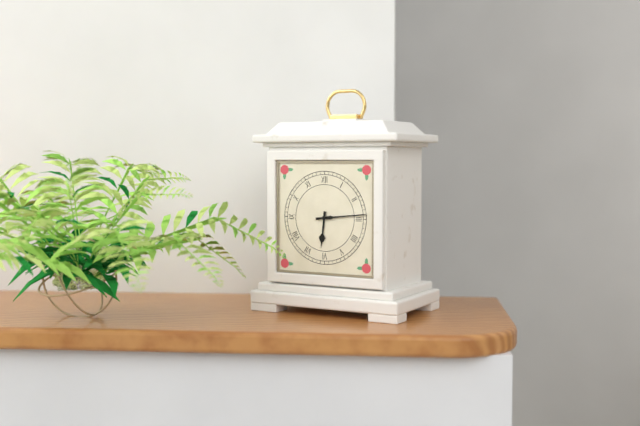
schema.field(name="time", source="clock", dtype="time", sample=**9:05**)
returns **6:14**
